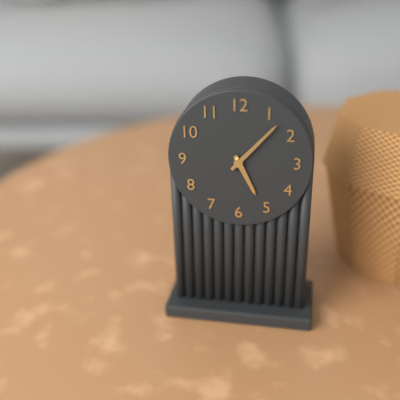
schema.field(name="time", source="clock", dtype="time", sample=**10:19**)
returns **5:07**
